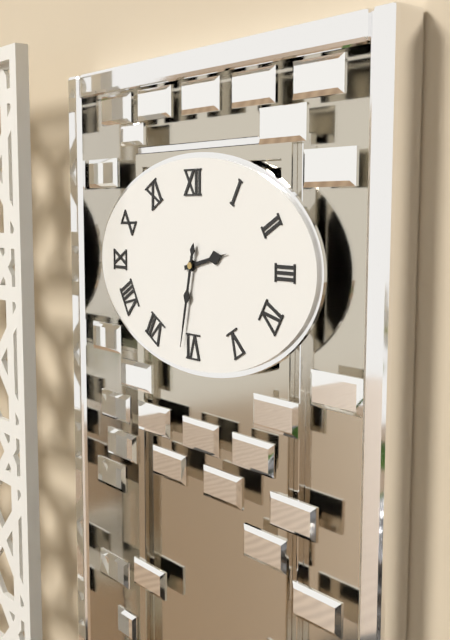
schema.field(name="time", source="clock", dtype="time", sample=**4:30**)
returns **2:32**
